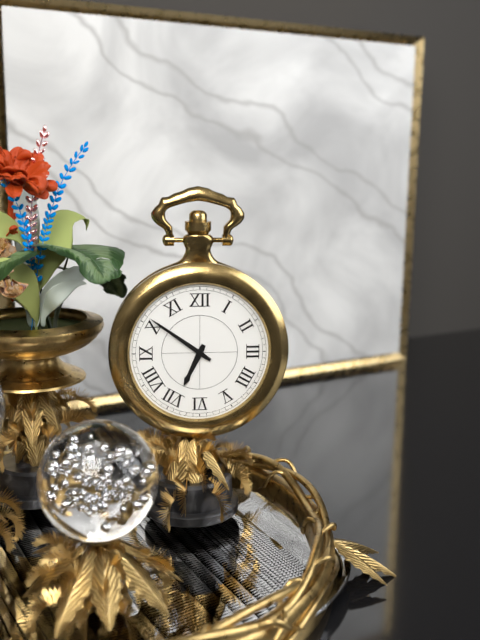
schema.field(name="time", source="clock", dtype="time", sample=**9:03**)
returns **6:51**
